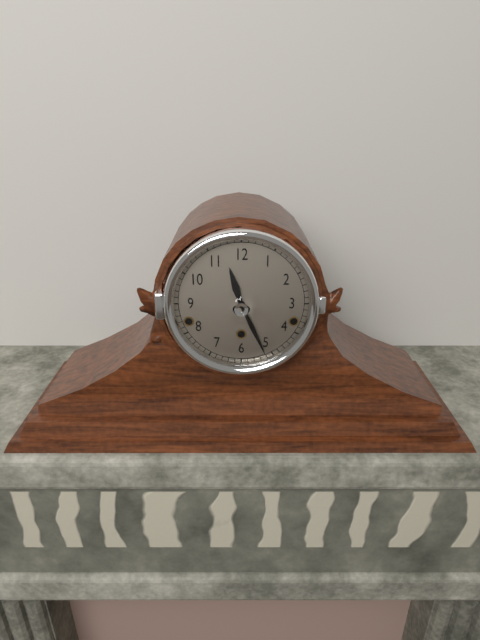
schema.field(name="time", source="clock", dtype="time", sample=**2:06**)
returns **11:26**
